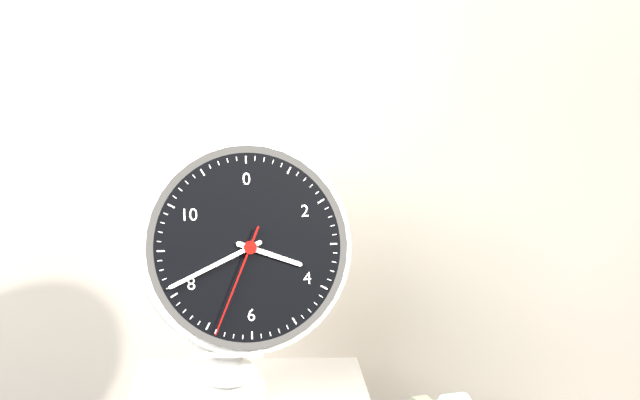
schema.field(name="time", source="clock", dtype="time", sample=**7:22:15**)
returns **3:41:34**
